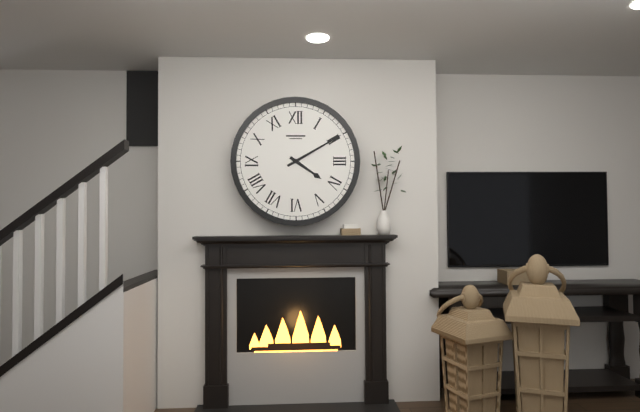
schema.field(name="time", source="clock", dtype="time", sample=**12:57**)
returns **4:10**
